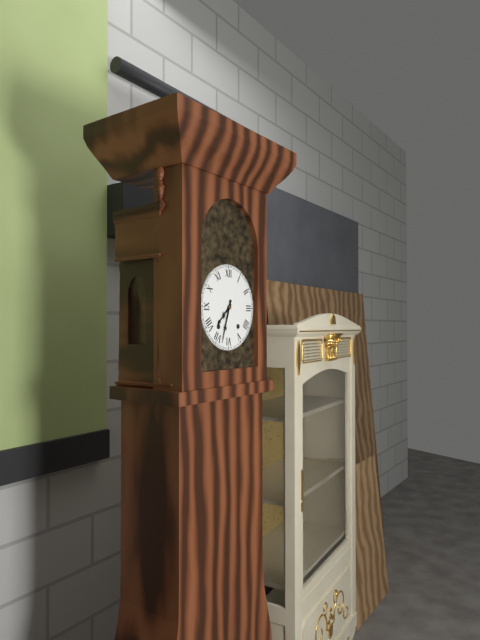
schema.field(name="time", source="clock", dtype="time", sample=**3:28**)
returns **7:33**
